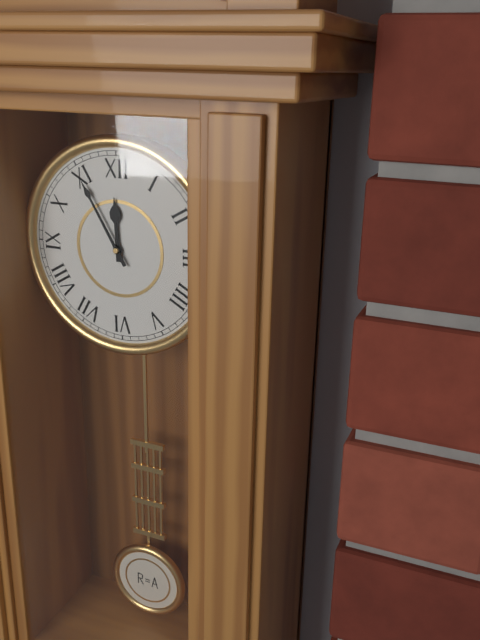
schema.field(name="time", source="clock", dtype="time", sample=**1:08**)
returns **11:55**
